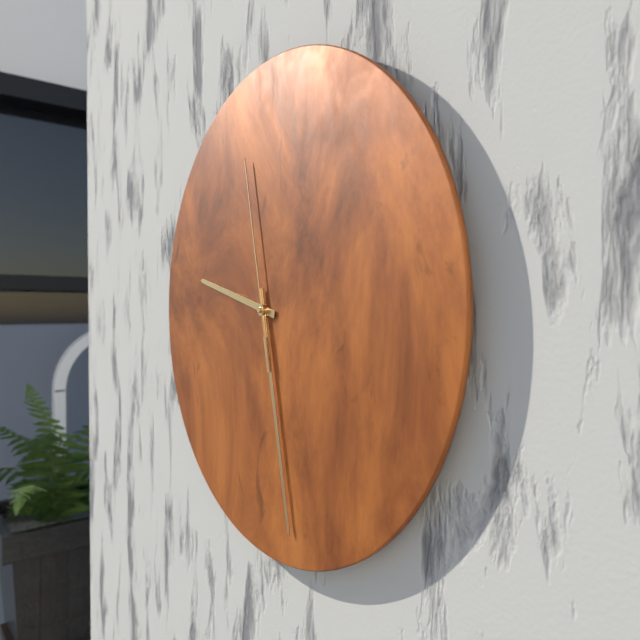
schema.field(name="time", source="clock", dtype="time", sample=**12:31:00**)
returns **9:28:58**
